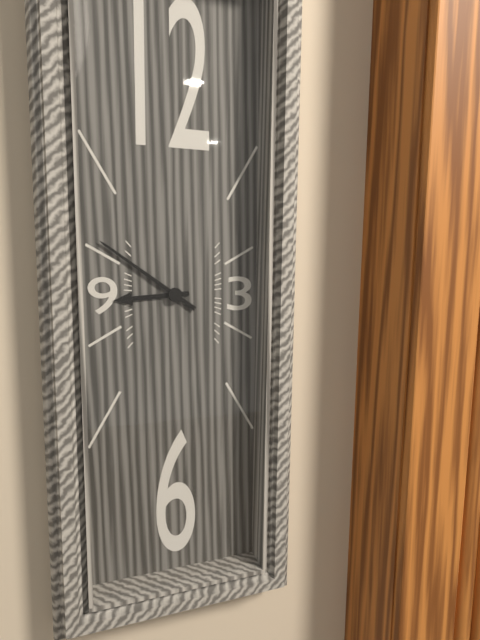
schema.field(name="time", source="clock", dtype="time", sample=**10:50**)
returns **8:51**
